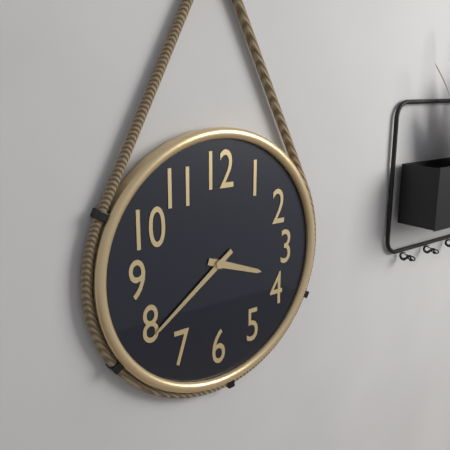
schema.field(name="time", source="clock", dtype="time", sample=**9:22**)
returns **3:39**
